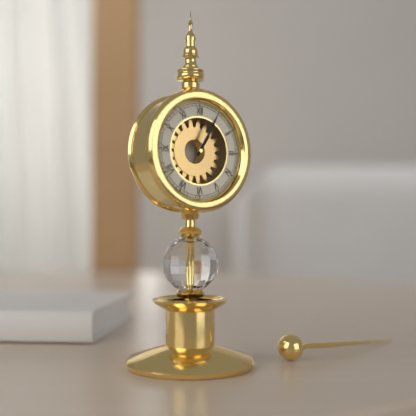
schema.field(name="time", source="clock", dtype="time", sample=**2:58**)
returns **1:05**
